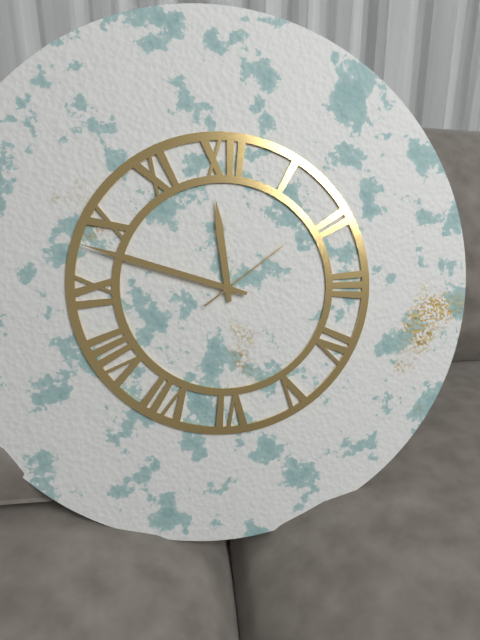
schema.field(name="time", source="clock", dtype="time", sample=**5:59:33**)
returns **11:48:09**
